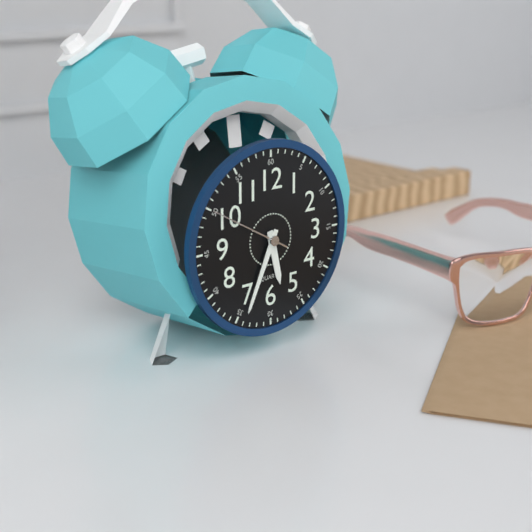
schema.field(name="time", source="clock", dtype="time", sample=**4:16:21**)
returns **5:34:50**
